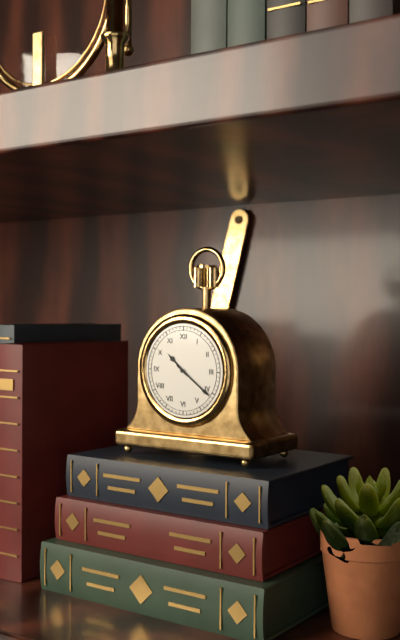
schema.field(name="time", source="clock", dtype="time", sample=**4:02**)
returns **10:21**
